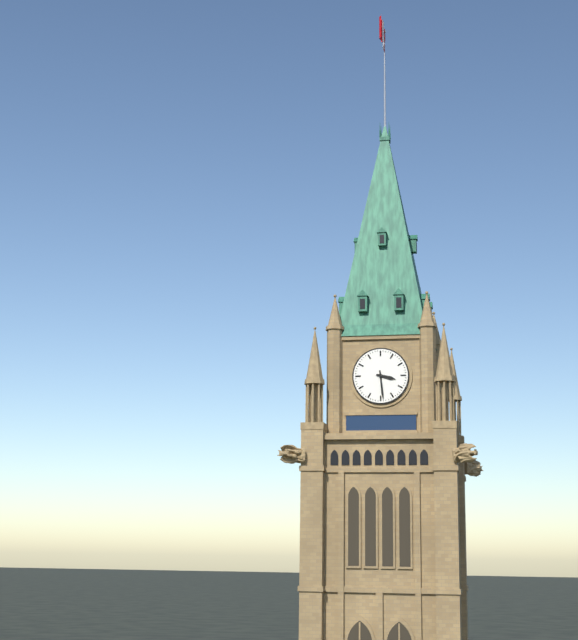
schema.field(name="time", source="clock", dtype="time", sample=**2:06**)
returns **3:29**
